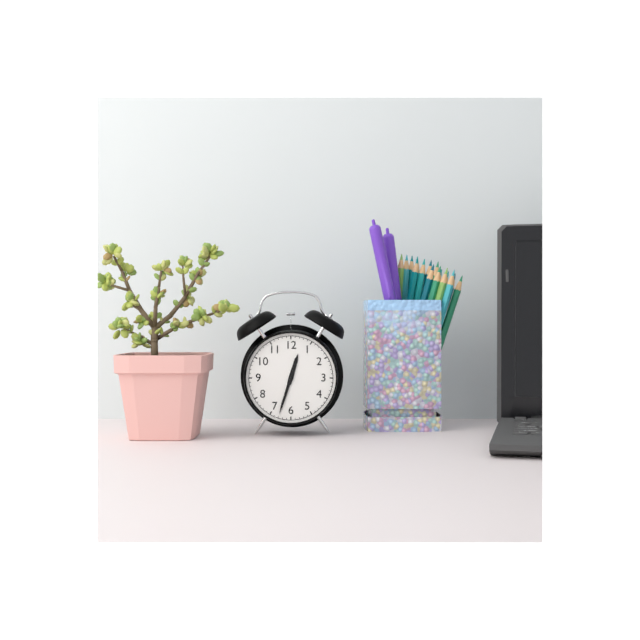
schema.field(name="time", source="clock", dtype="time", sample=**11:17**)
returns **12:33**
